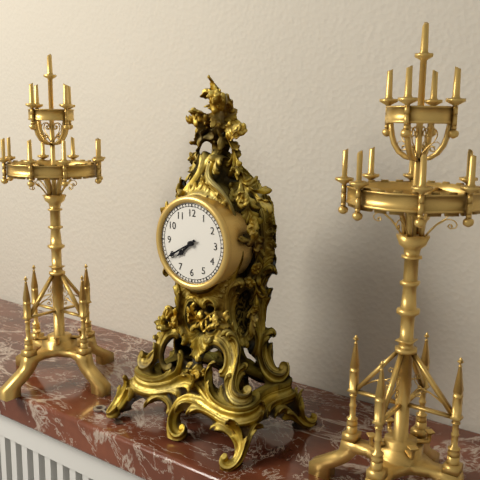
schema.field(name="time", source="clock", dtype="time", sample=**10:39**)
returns **7:40**
